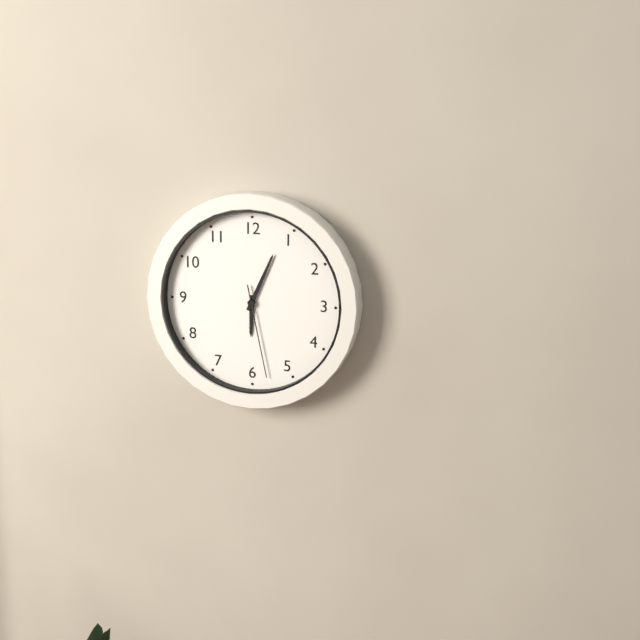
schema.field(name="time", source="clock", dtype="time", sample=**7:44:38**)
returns **6:04:28**
